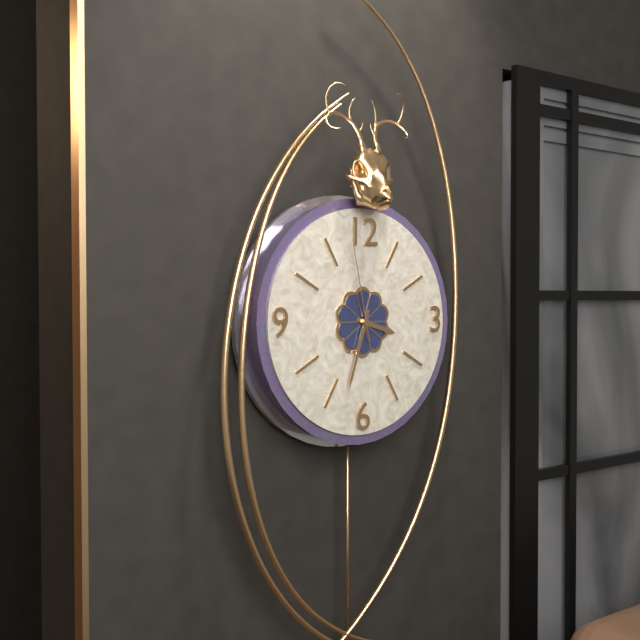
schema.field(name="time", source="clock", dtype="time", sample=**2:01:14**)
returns **3:33:58**
